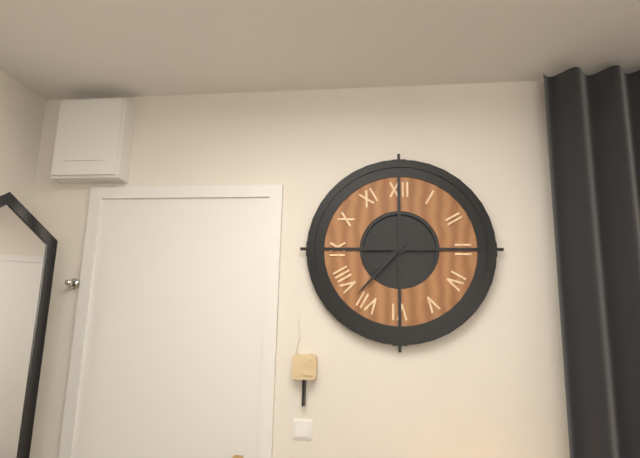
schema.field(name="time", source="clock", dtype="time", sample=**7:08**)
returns **7:37**
